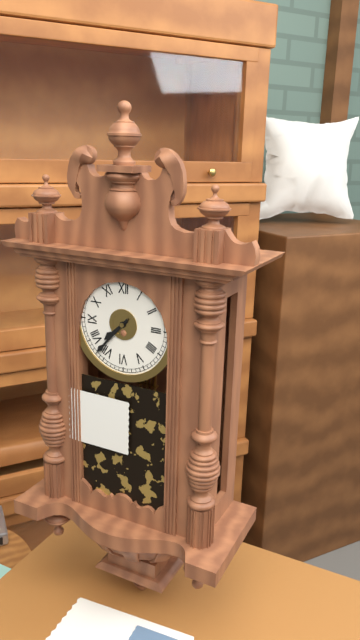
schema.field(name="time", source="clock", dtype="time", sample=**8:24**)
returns **7:37**
